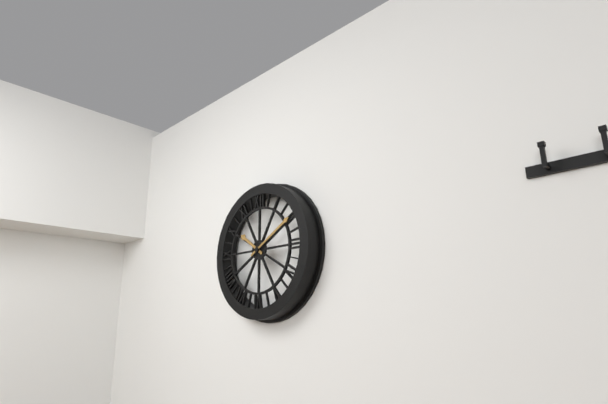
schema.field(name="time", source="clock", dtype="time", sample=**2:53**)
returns **10:10**
